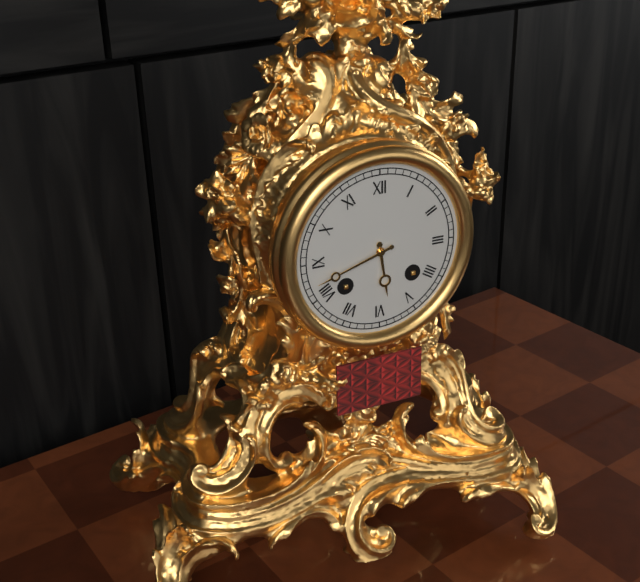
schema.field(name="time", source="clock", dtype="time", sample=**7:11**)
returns **5:42**
